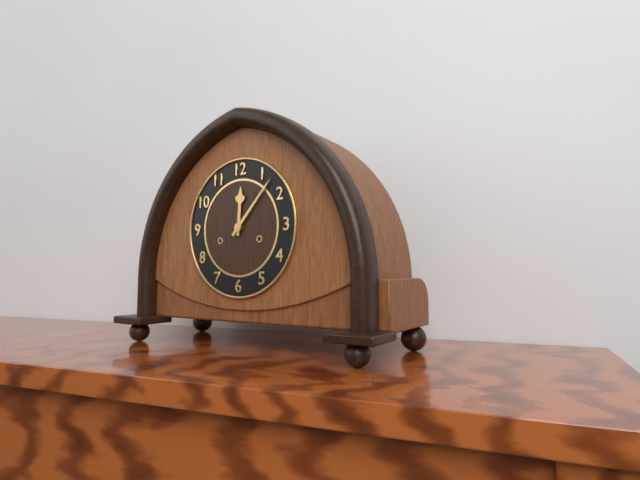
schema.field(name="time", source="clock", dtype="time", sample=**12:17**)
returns **12:07**
